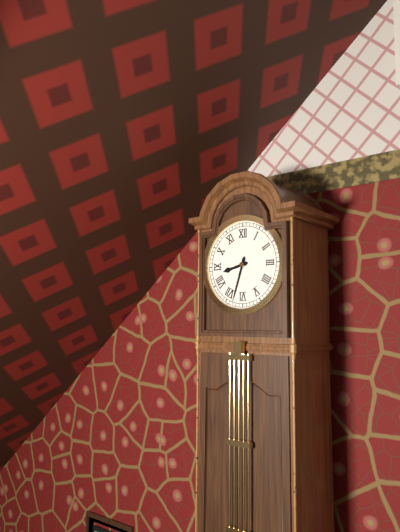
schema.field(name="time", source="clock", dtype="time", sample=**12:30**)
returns **8:33**
